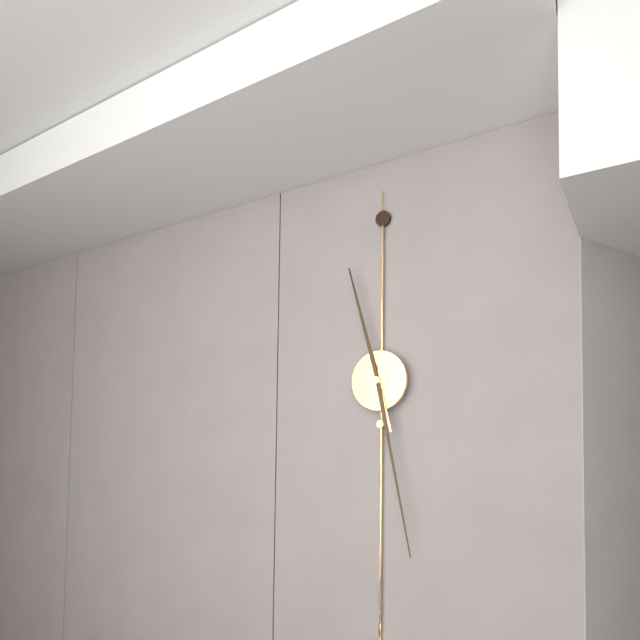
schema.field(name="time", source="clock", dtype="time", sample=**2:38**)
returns **11:28**
